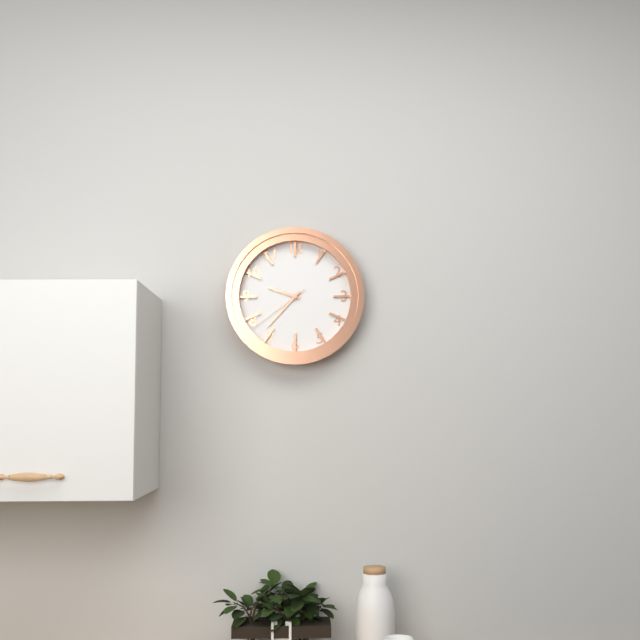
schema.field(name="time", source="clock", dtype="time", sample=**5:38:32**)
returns **9:37:39**
